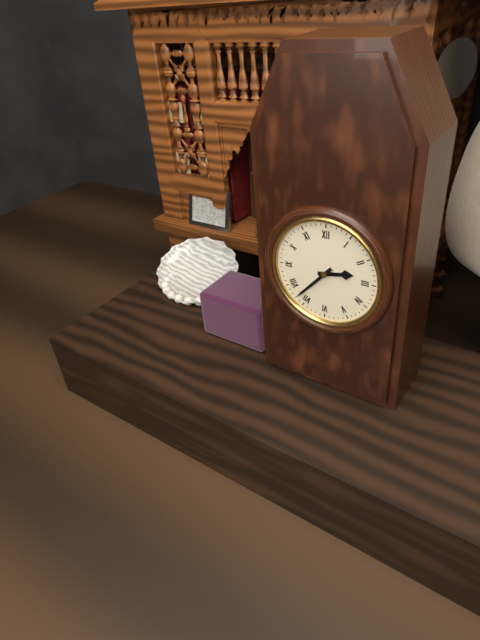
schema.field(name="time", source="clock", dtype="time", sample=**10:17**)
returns **2:37**
